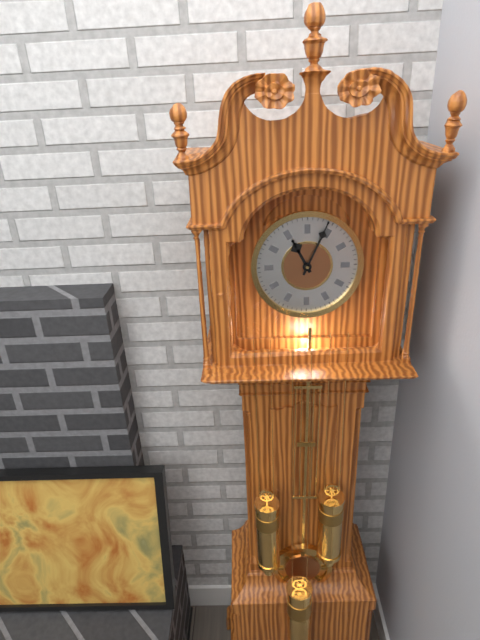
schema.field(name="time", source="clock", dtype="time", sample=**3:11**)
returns **11:04**
